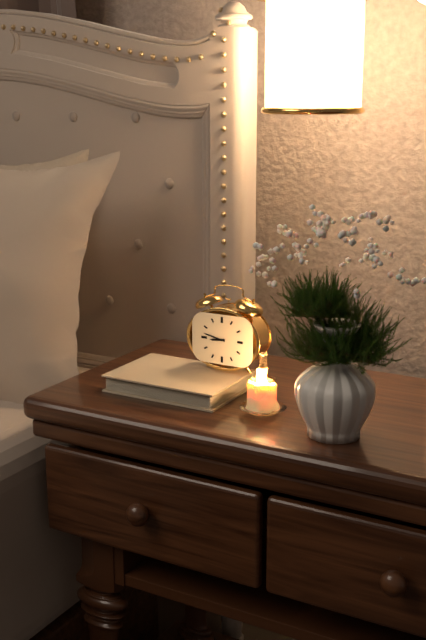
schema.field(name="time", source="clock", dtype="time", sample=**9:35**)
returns **8:47**
